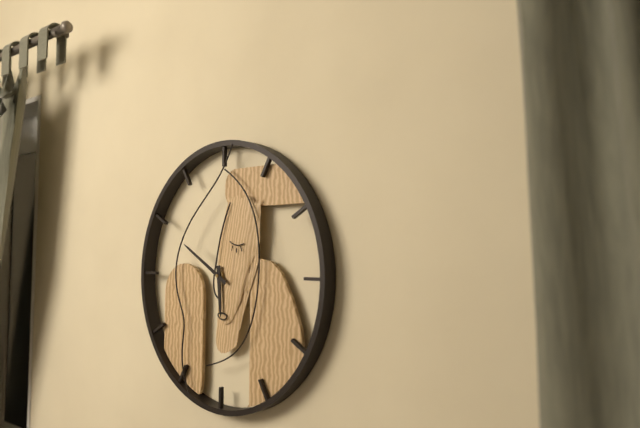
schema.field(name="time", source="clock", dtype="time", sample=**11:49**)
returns **5:50**
